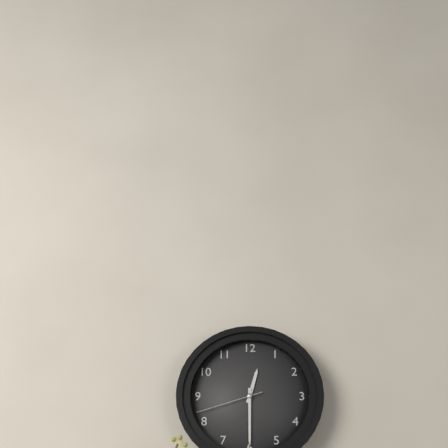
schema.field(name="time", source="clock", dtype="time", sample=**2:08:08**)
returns **12:30:42**
